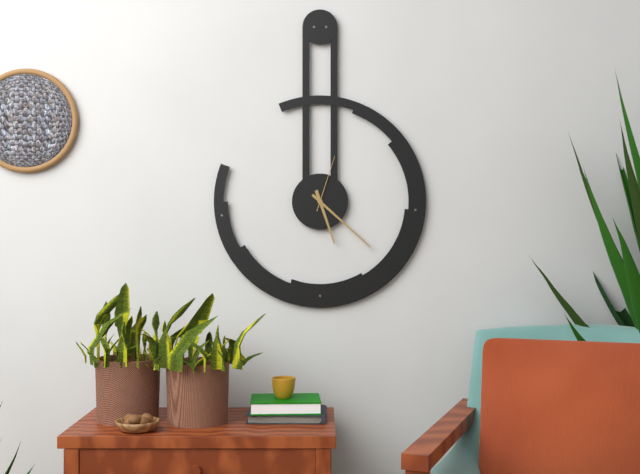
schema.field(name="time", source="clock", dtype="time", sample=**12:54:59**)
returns **5:22:03**
